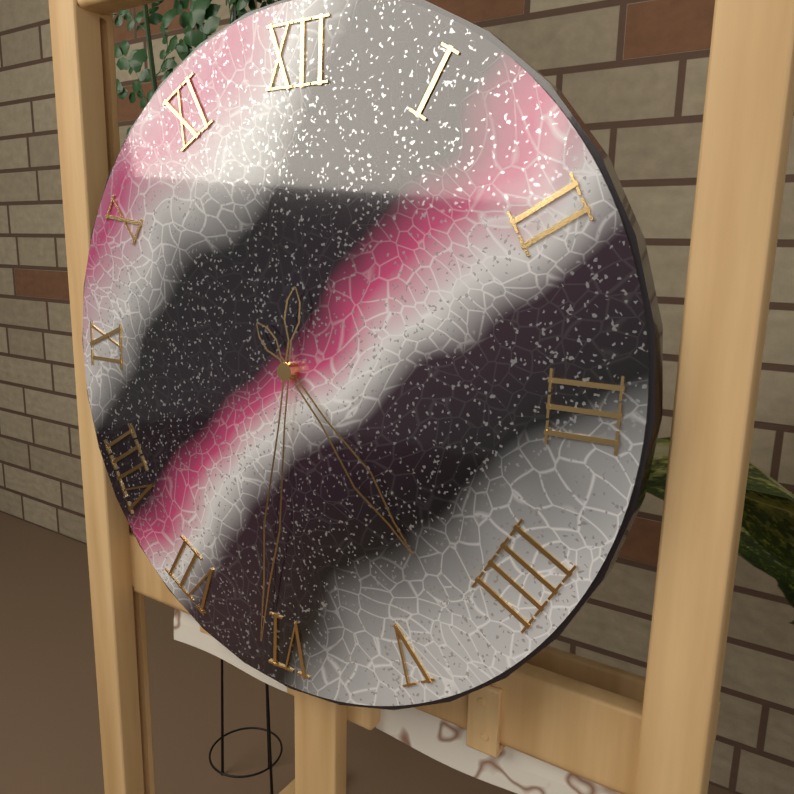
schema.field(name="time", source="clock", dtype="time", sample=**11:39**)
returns **4:31**
